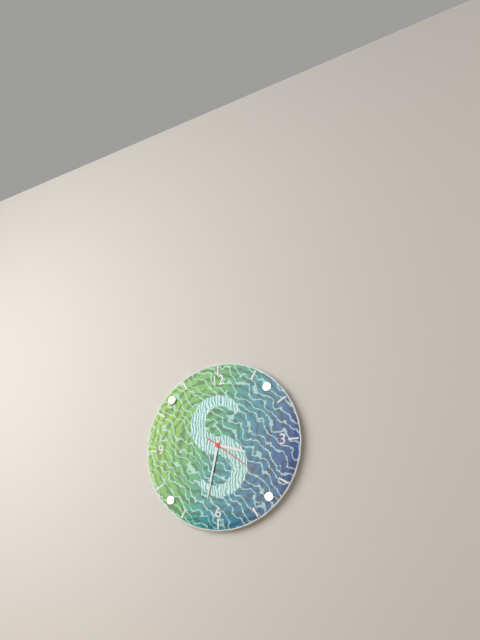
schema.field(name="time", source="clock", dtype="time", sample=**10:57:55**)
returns **3:32:21**
